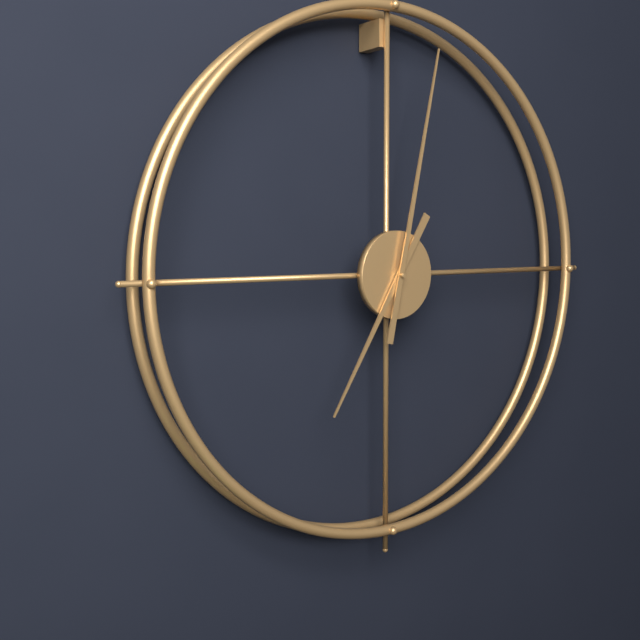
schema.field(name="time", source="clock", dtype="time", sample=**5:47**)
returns **7:02**
